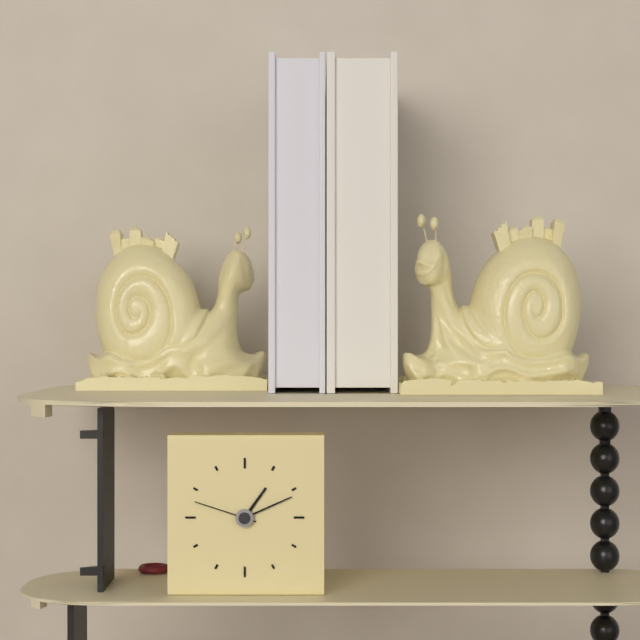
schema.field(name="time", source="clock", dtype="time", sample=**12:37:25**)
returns **1:11:48**
